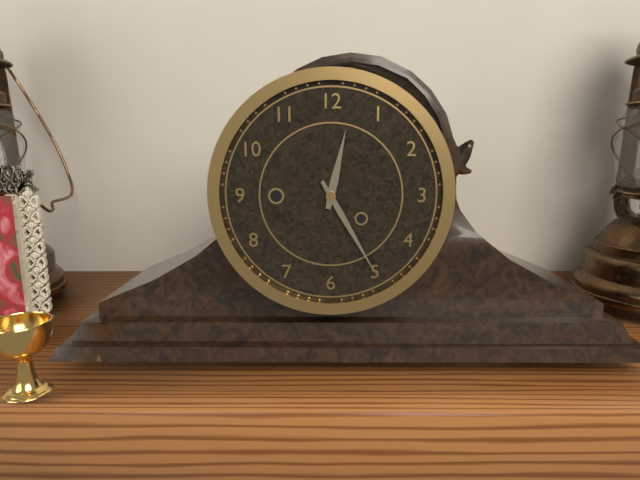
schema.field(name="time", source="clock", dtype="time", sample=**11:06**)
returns **12:25**
